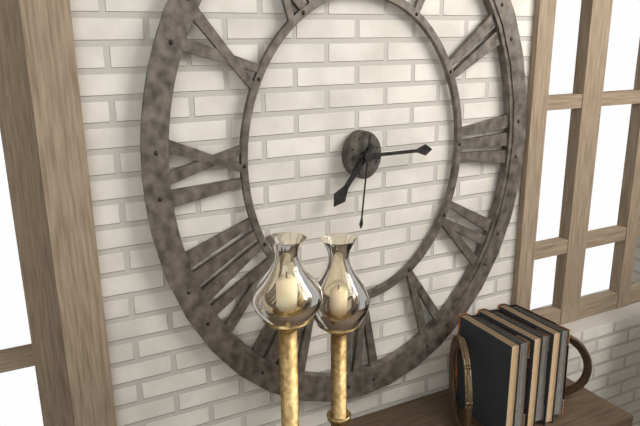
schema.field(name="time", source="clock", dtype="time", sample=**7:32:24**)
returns **7:15:31**
